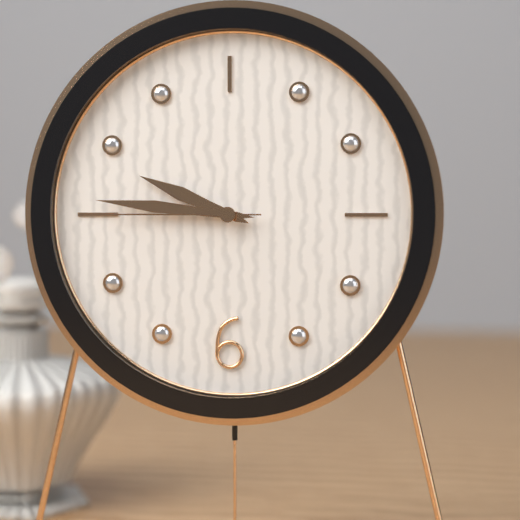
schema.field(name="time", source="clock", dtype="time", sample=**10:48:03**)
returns **9:46:45**
